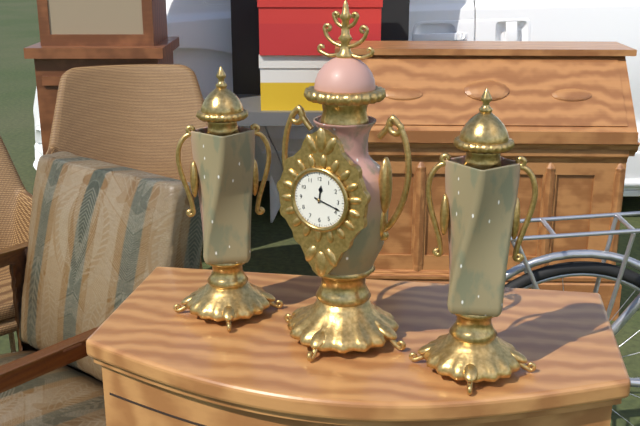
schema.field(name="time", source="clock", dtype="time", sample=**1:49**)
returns **12:18**
